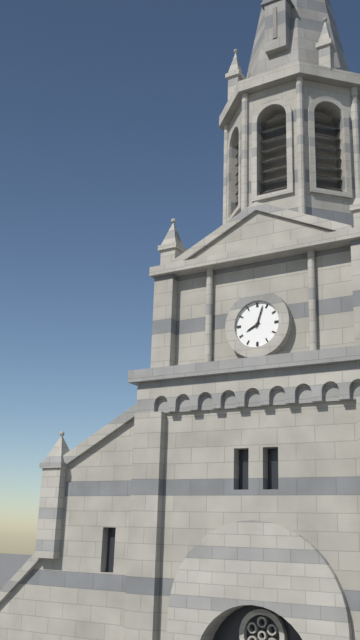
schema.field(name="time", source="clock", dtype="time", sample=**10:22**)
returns **8:03**
